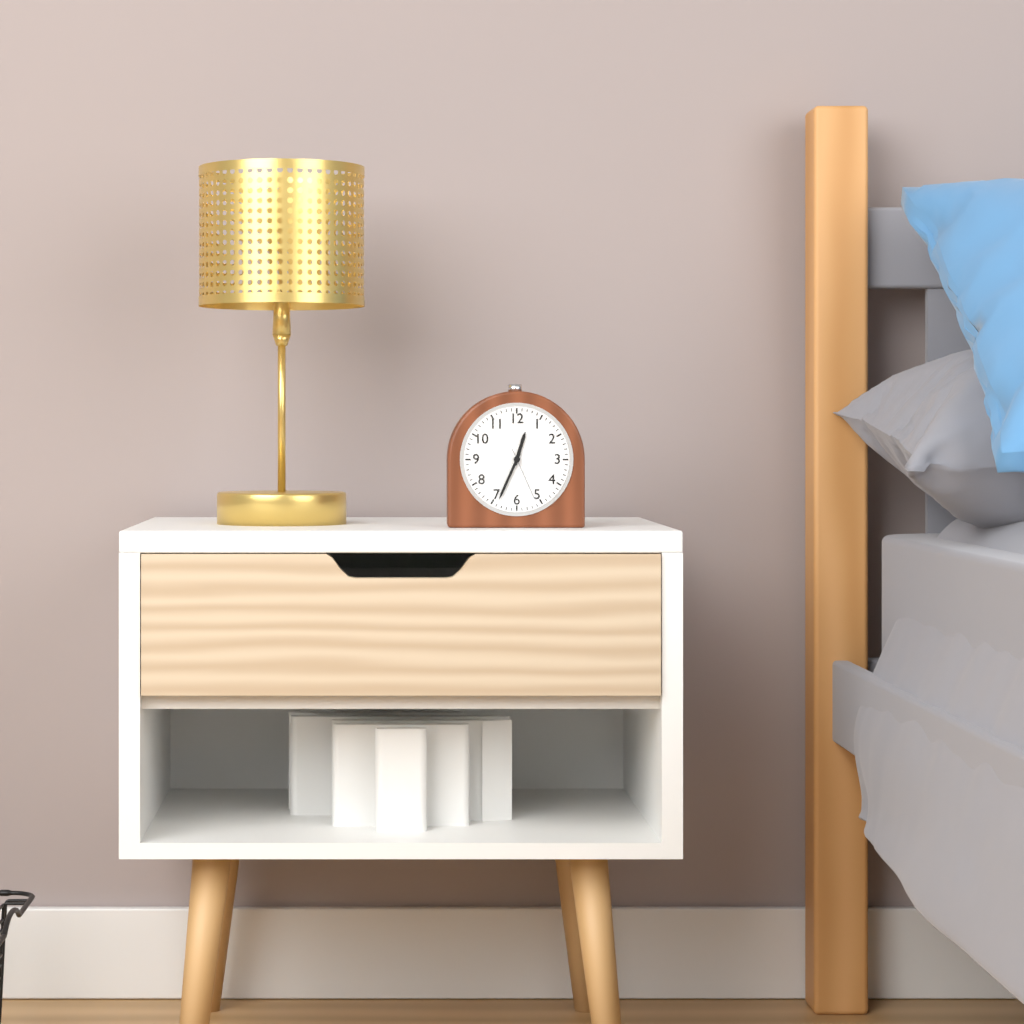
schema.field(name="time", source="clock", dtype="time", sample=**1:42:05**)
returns **12:34:26**
